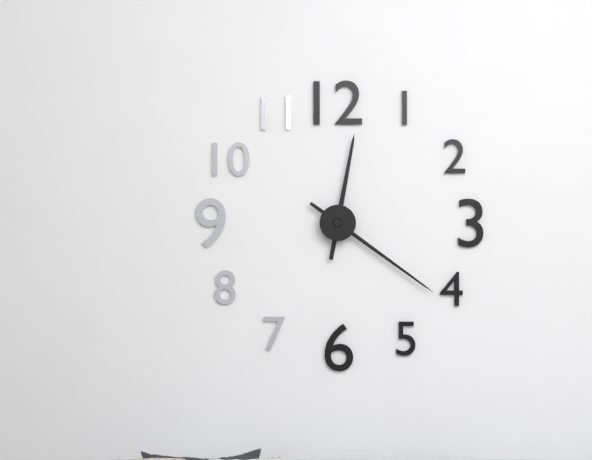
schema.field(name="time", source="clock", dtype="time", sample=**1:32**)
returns **12:21**
